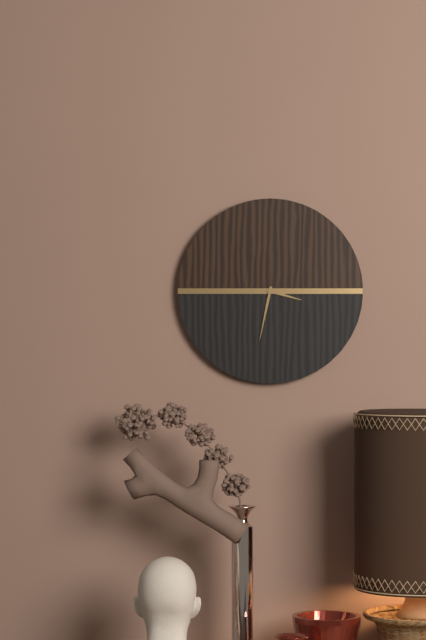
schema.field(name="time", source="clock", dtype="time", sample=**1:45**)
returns **3:32**
